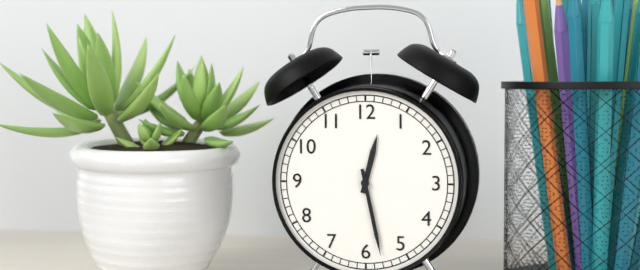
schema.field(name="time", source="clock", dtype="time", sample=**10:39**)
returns **12:28**
